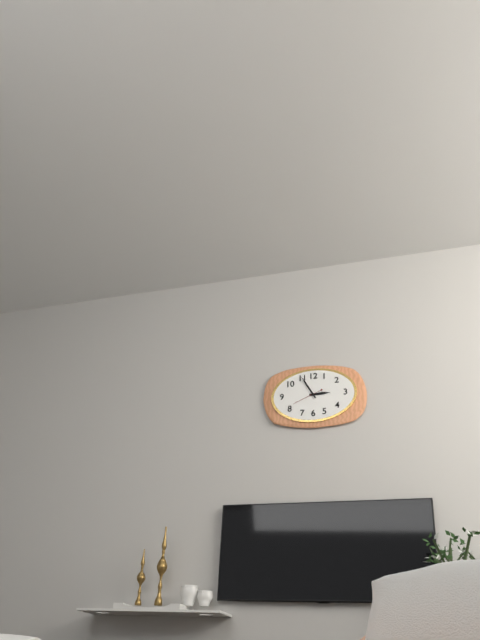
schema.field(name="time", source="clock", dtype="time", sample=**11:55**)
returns **2:55**
